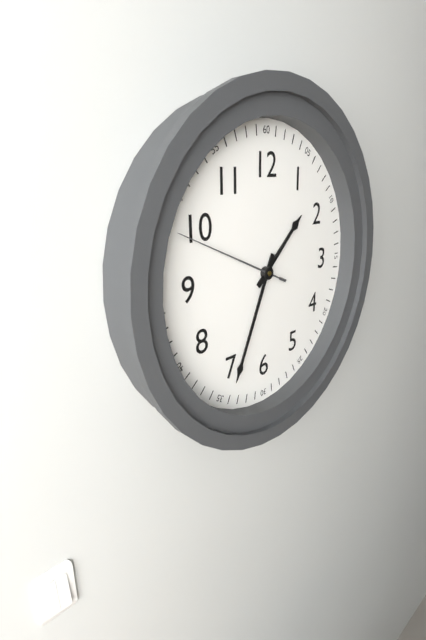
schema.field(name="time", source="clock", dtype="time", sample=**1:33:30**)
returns **1:34:49**
